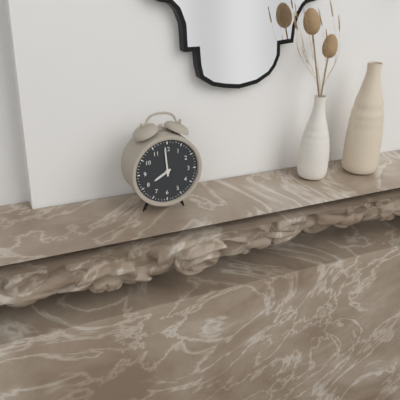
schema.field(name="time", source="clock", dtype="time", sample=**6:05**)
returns **7:59**
